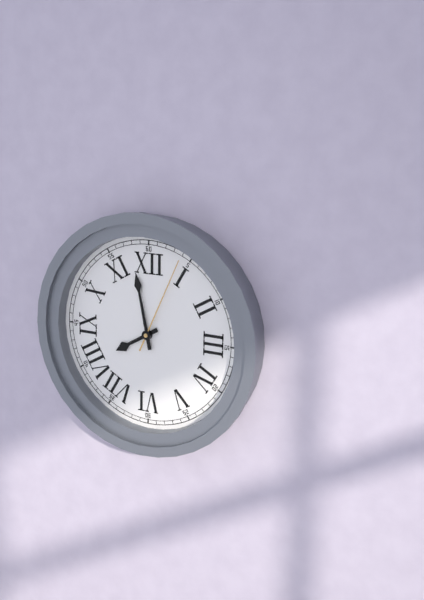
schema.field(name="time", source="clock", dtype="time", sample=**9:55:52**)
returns **7:58:04**
